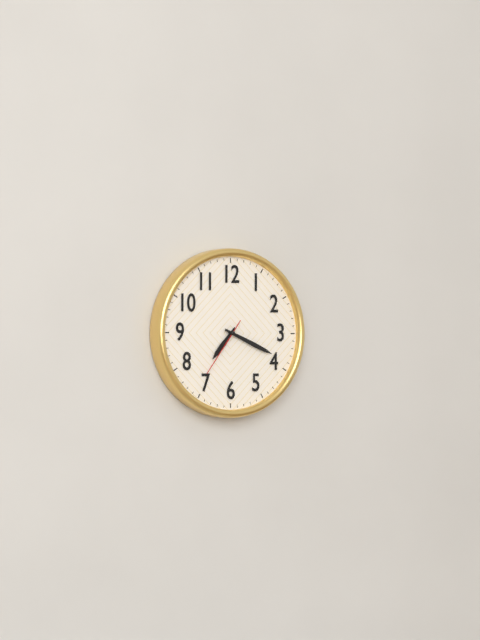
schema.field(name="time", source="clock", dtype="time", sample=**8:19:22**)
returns **7:19:36**
